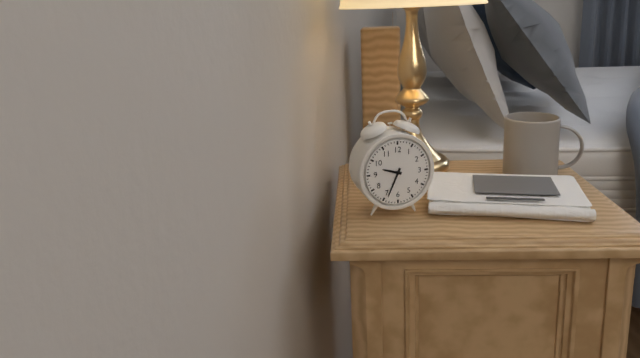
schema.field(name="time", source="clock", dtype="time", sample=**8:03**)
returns **9:34**
